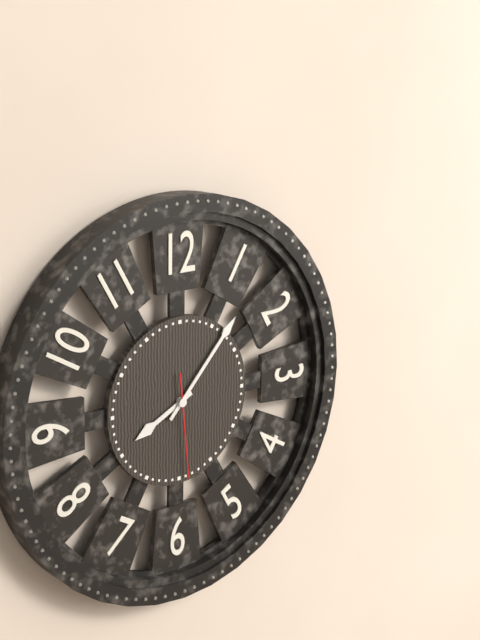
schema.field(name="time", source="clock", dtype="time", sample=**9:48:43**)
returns **8:07:29**
